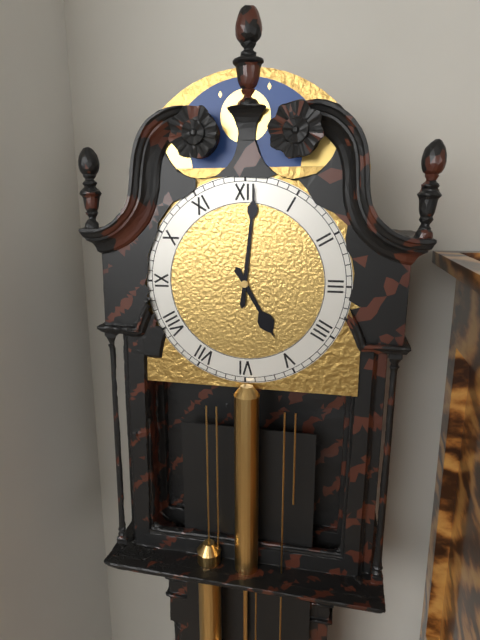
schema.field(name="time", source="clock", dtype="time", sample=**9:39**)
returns **5:01**
